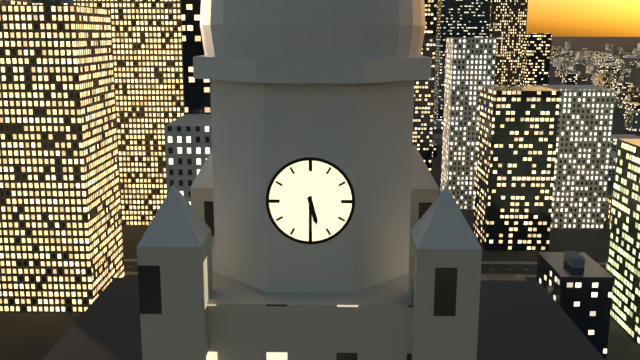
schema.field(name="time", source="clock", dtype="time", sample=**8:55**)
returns **5:30**
